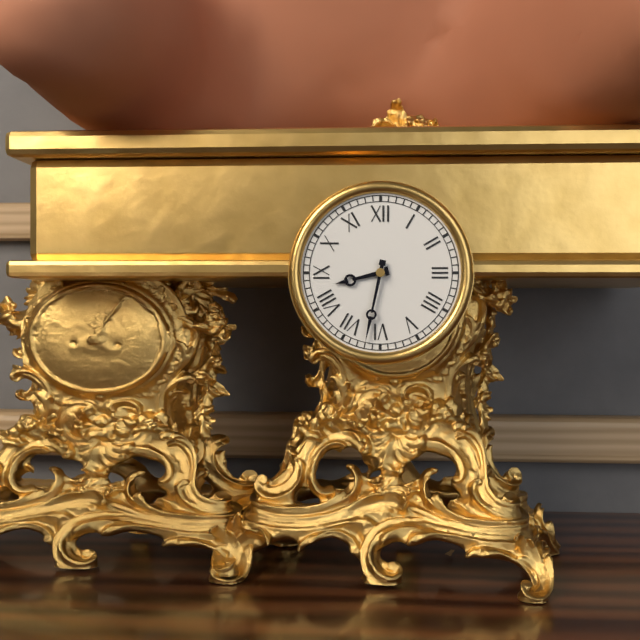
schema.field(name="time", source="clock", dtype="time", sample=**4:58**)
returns **8:32**
